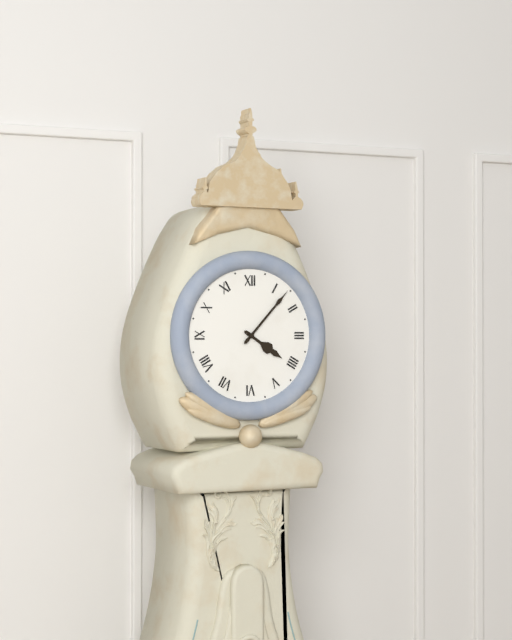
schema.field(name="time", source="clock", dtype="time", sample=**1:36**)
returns **4:07**
